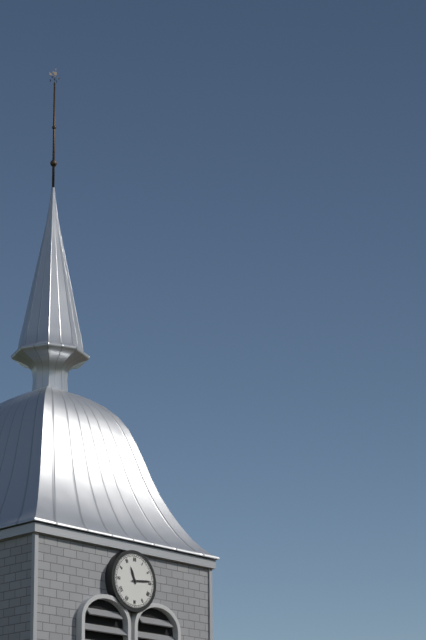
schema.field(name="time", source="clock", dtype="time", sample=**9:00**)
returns **11:14**
